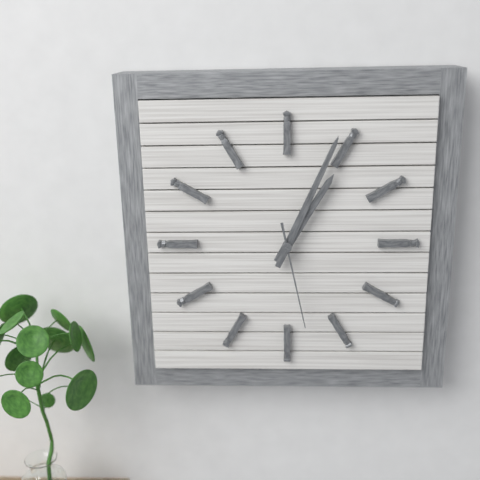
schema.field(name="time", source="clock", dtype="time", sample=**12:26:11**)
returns **1:04:28**
